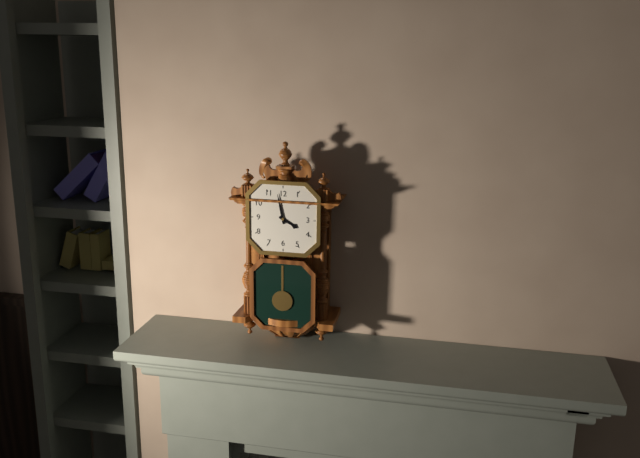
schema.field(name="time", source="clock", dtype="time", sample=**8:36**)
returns **3:58**
